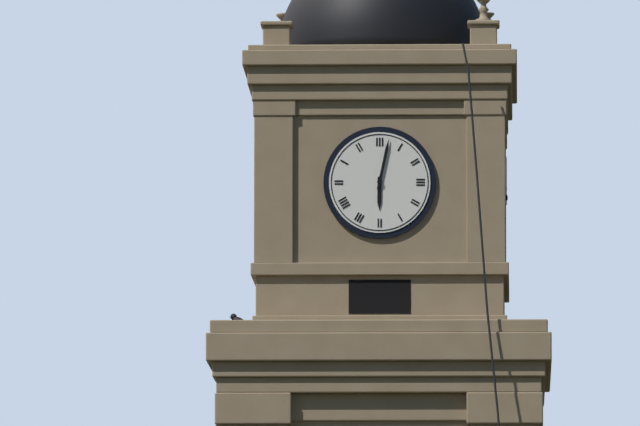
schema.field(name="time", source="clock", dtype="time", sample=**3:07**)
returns **6:02**
